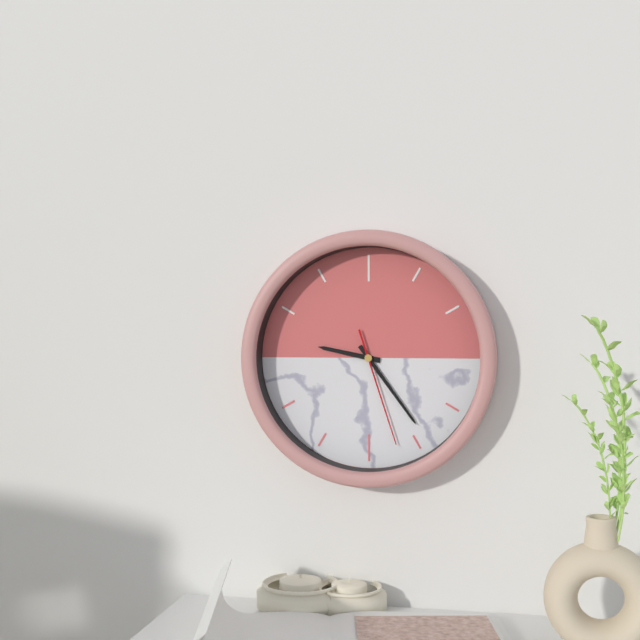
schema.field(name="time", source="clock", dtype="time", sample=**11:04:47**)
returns **9:24:27**
